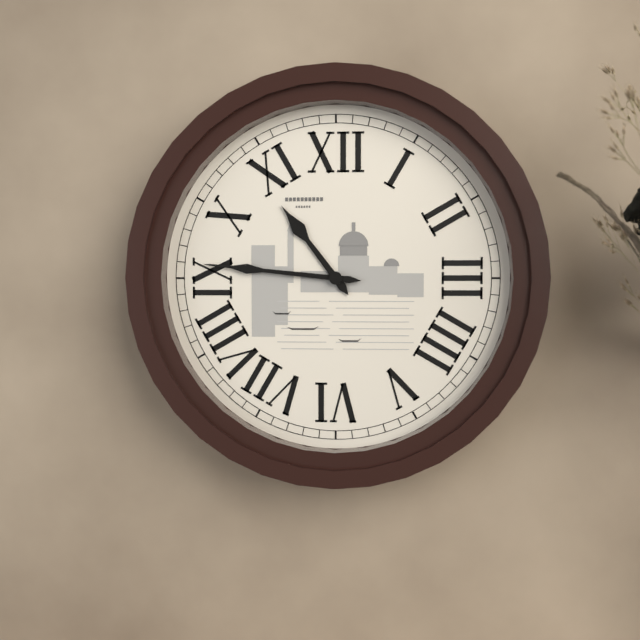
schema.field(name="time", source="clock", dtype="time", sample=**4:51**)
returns **10:46**
